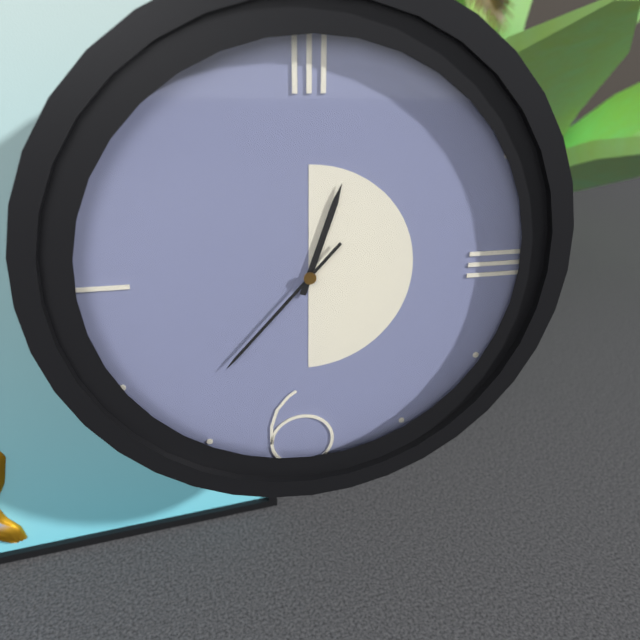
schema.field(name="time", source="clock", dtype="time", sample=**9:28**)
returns **12:37**
